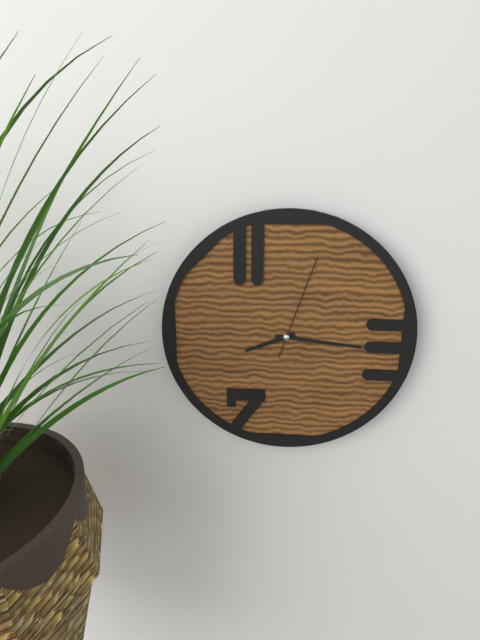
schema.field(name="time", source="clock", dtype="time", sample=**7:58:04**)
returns **8:16:03**
